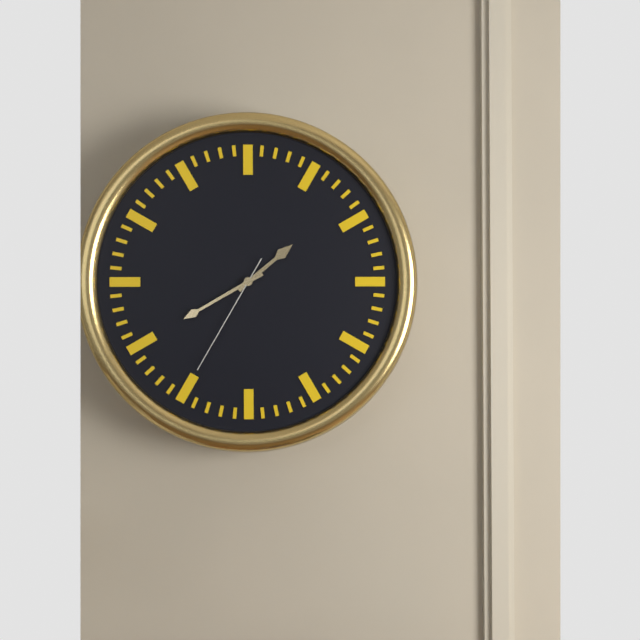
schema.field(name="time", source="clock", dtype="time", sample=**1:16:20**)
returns **1:40:35**
